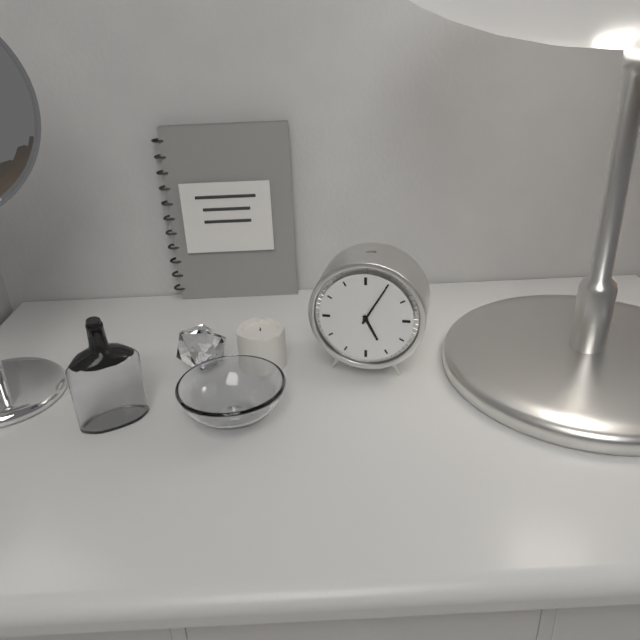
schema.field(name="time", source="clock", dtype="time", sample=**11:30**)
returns **5:05**
